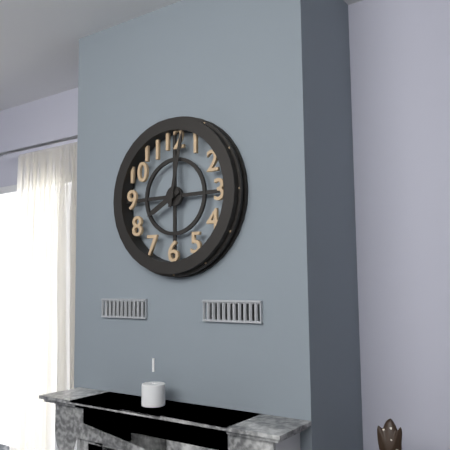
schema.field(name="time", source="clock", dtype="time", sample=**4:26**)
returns **8:02**
